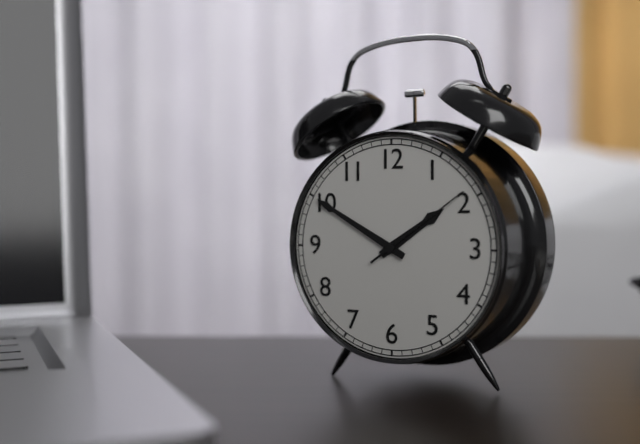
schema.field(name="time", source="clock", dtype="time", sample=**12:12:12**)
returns **1:50:09**
